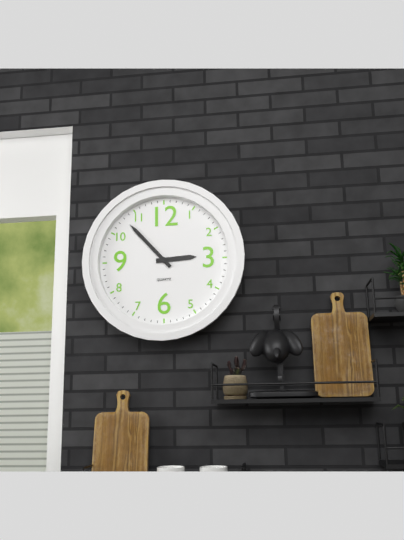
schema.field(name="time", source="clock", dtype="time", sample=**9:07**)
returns **2:53**
